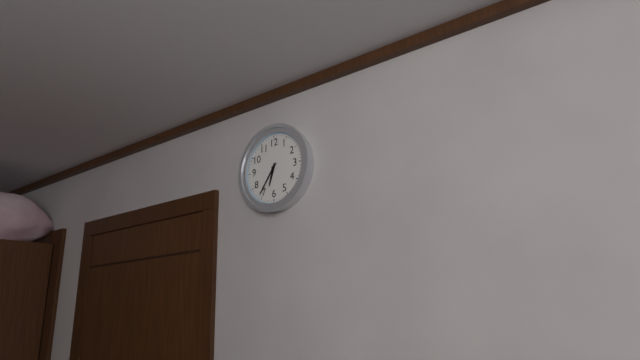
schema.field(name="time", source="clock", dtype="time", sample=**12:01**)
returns **6:36**
